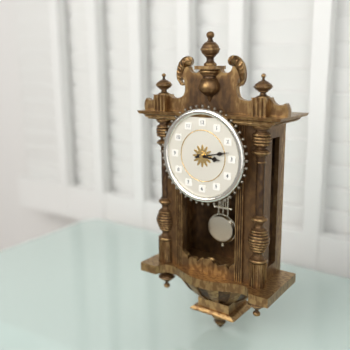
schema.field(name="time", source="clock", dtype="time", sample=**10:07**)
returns **3:13**
